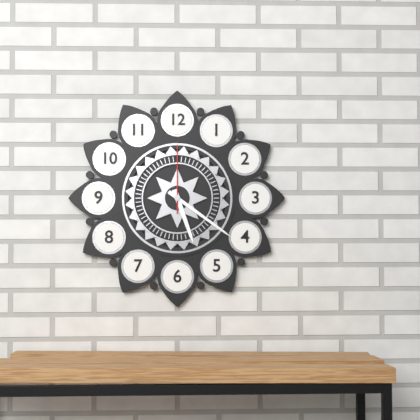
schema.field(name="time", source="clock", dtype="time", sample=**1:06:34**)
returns **5:21:00**
